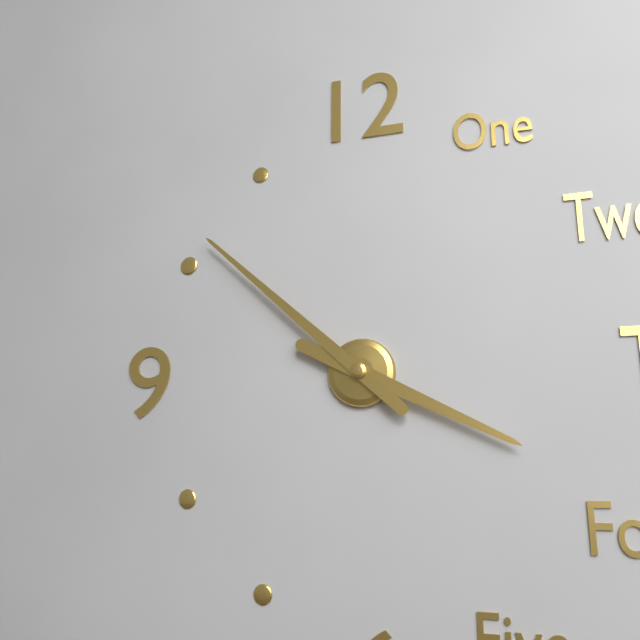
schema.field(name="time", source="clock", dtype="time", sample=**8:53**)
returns **3:52**
